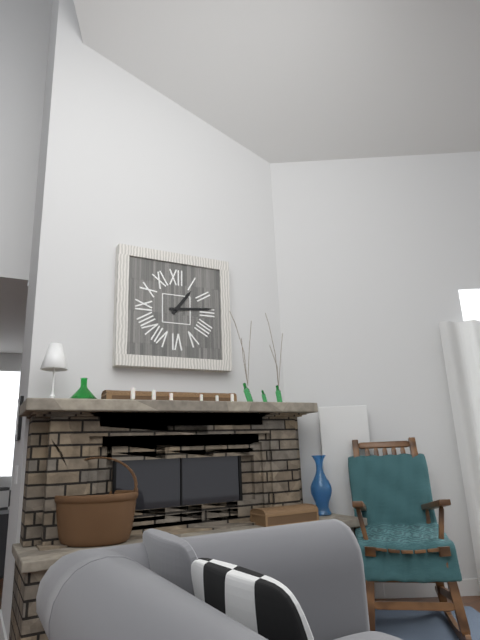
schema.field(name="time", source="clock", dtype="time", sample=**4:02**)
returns **1:14**
